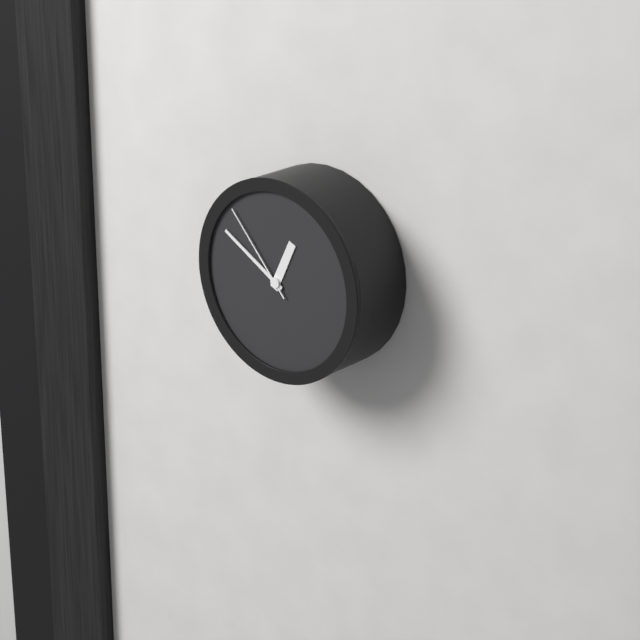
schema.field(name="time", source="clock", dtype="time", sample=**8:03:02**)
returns **12:50:53**
